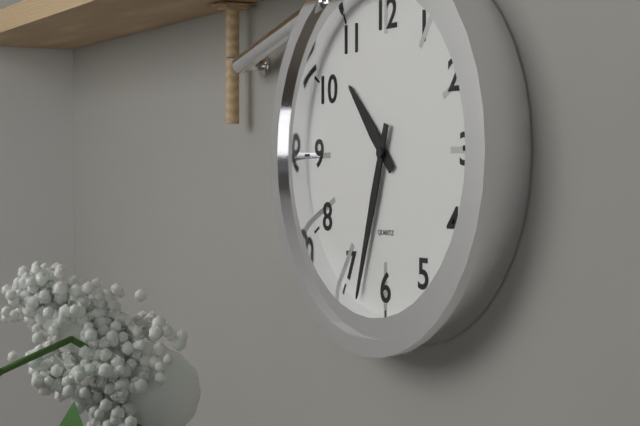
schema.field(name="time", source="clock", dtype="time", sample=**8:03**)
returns **10:33**
